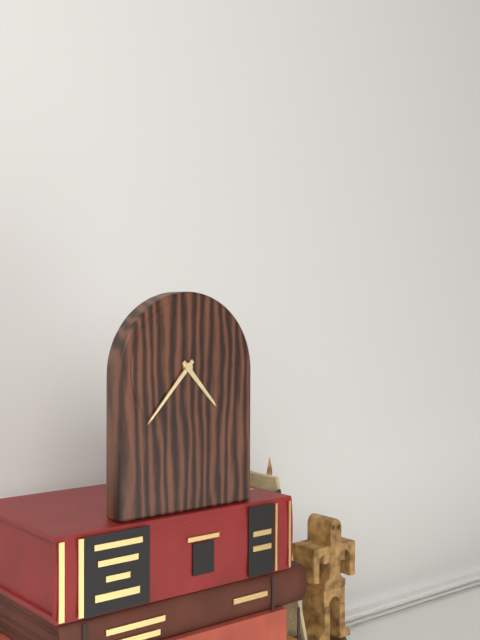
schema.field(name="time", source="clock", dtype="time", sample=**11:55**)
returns **4:37**
